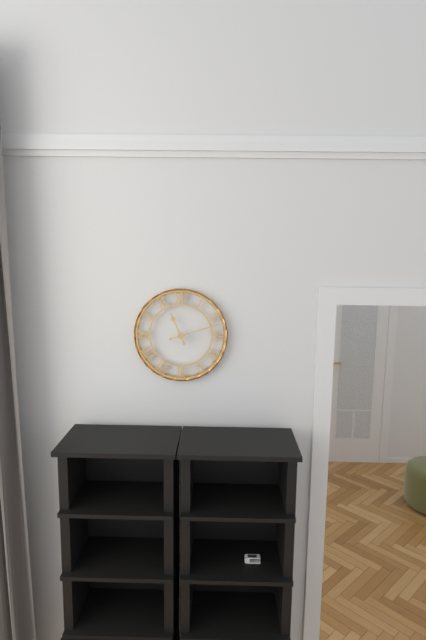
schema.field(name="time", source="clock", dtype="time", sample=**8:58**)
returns **11:12**
